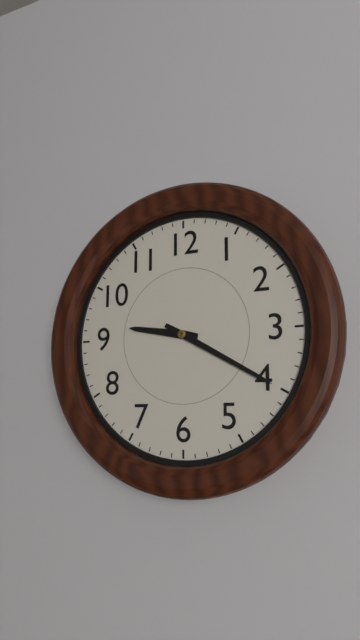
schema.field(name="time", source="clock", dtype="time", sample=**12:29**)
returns **9:20**
